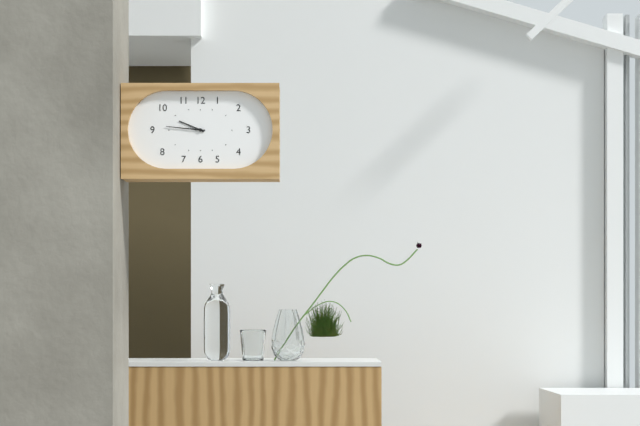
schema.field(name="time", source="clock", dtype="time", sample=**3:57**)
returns **9:46**
